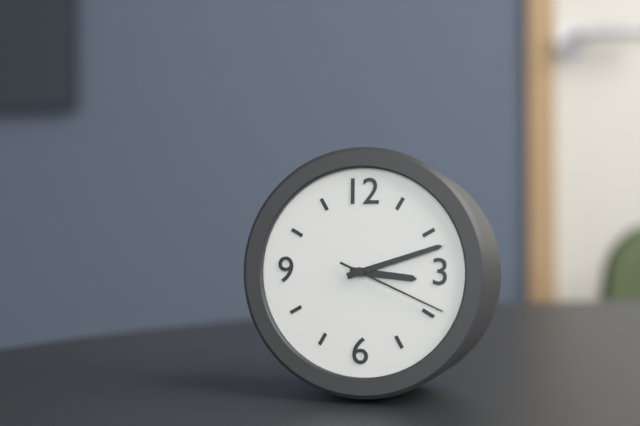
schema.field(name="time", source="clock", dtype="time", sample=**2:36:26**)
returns **3:12:19**
